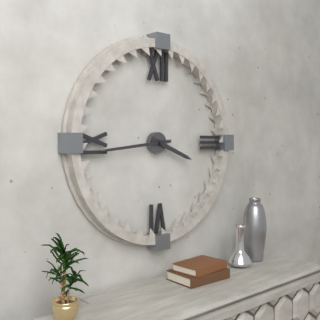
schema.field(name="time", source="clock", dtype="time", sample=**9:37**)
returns **3:44**
